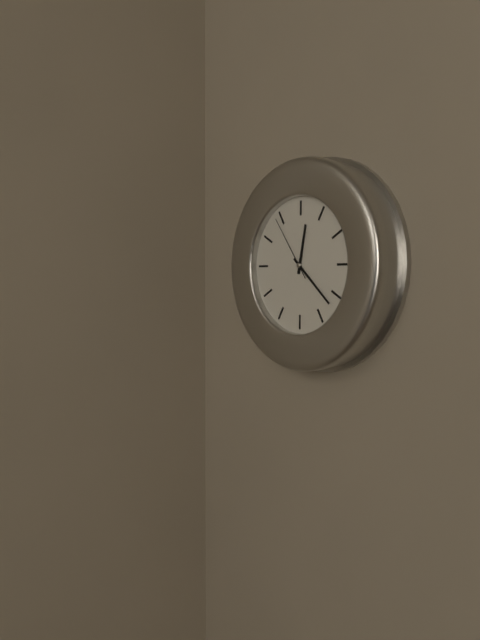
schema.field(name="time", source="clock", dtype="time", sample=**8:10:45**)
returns **12:22:54**
